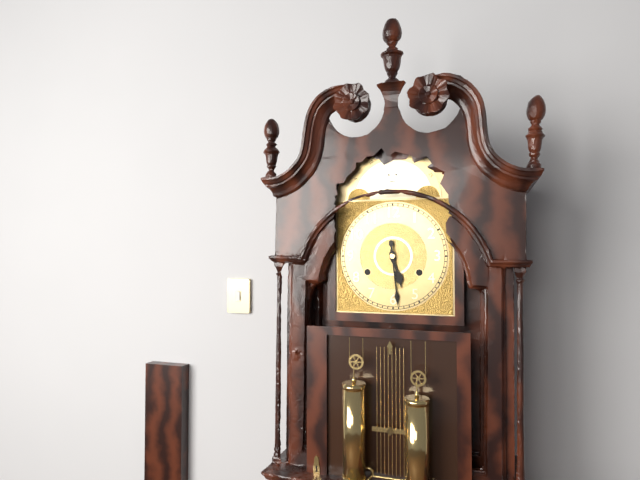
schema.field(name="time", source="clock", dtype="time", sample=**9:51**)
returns **5:29**
